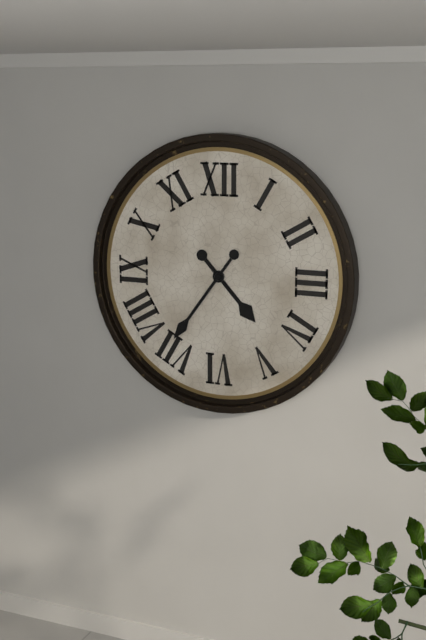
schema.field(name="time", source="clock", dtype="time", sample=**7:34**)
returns **4:36**
